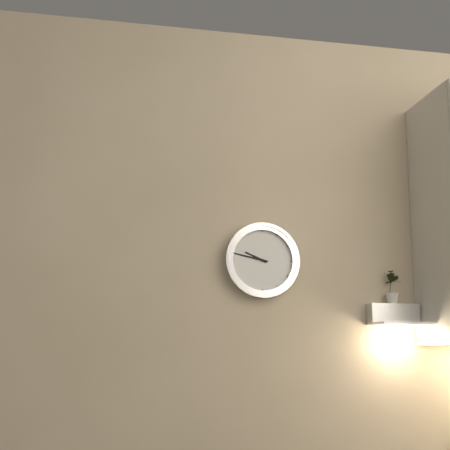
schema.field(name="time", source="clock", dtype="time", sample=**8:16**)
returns **9:47**
